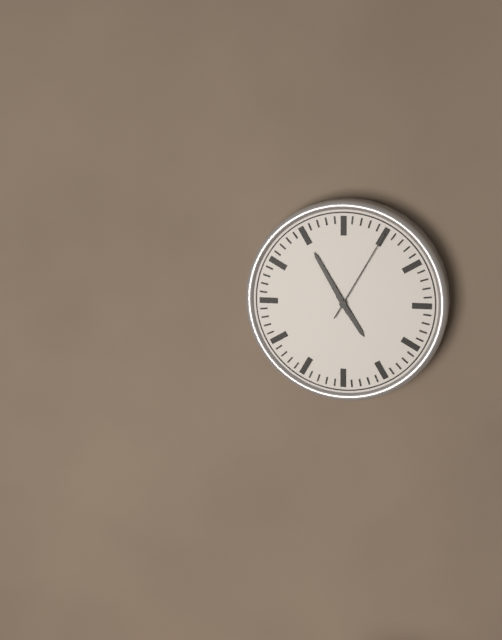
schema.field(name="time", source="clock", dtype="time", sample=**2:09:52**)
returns **4:55:05**
